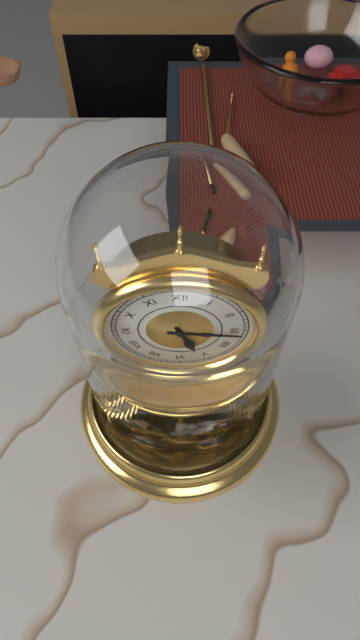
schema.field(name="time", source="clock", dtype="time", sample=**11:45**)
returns **5:16**
